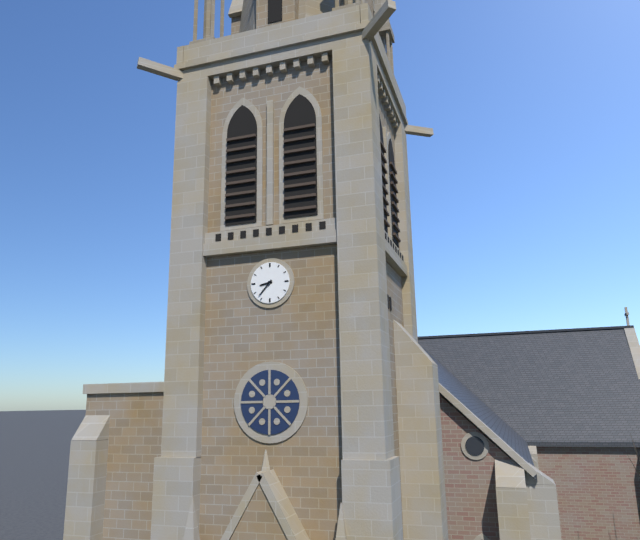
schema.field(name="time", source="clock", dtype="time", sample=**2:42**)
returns **8:37**
